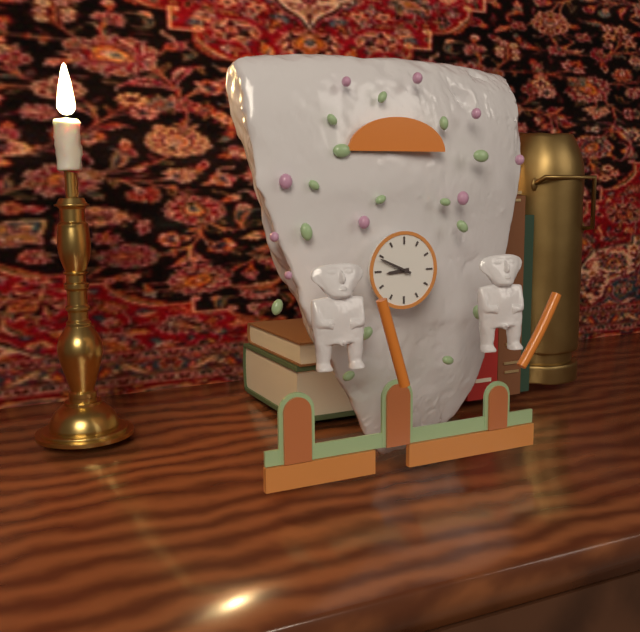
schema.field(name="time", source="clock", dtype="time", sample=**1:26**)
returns **8:49**
